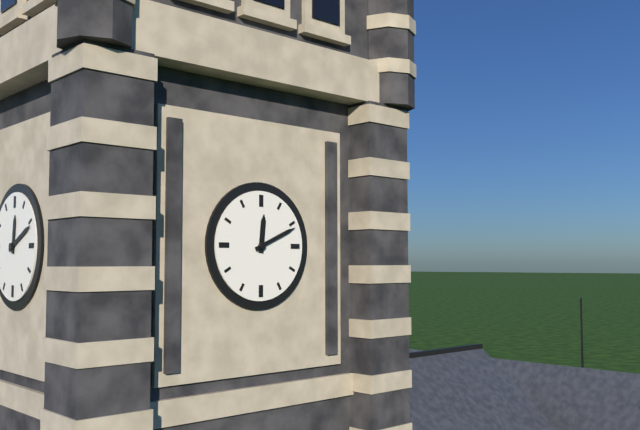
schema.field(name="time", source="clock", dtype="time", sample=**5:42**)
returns **12:11**
